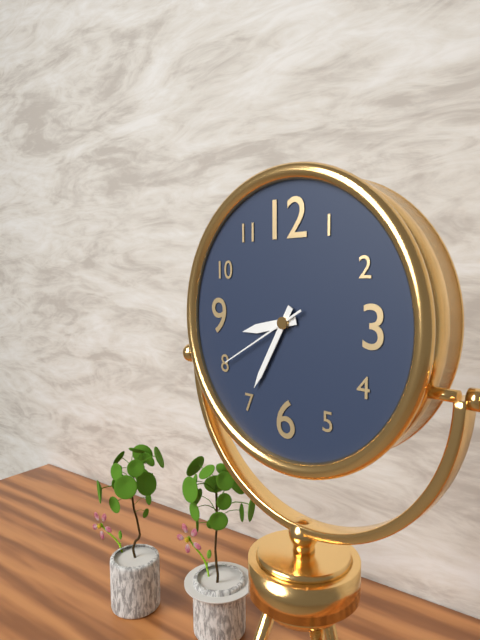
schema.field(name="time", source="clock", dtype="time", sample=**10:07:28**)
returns **8:35:40**
